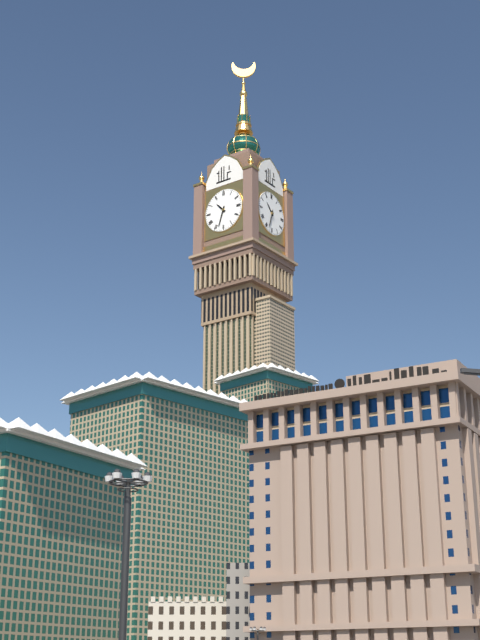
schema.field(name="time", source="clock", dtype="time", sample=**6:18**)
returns **10:33**
